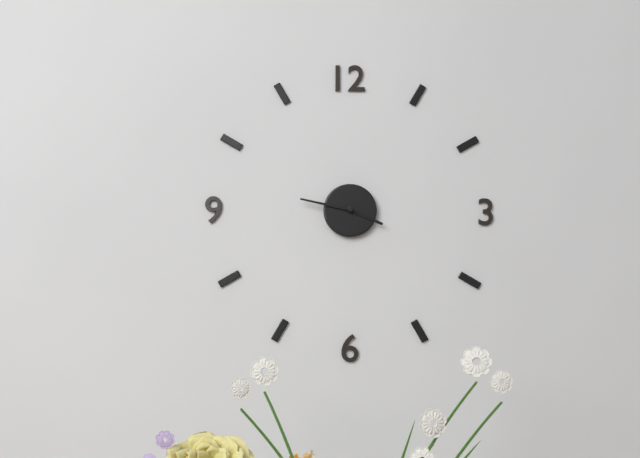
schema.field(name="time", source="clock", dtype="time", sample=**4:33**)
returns **3:47**
